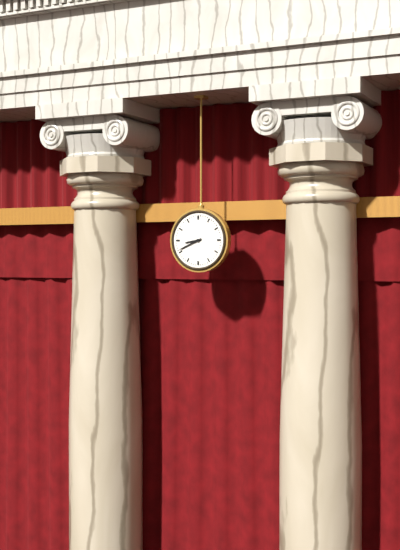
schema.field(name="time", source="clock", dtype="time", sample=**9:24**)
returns **8:41**
